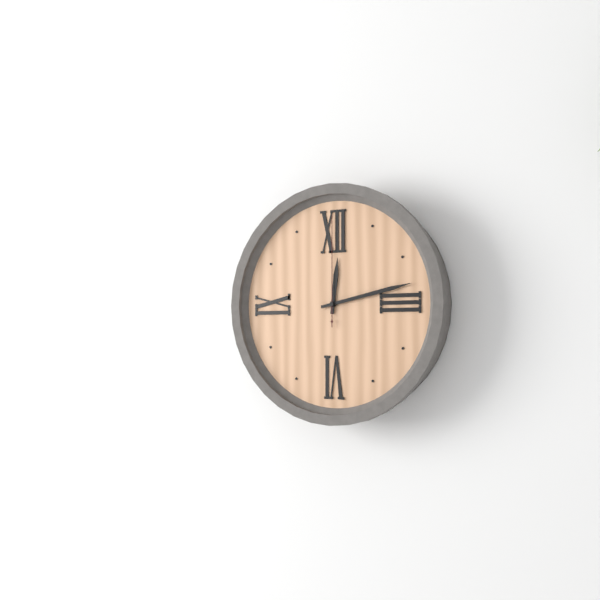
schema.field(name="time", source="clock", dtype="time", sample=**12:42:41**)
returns **12:13:00**
